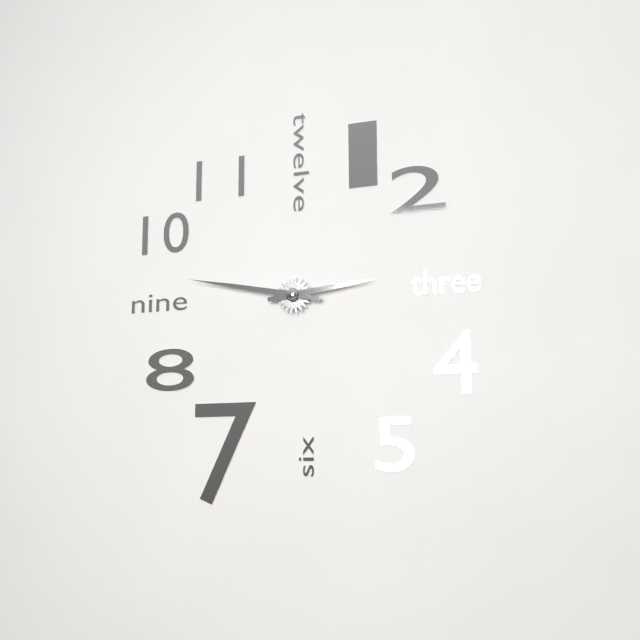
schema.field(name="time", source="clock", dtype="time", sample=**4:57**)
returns **2:47**
